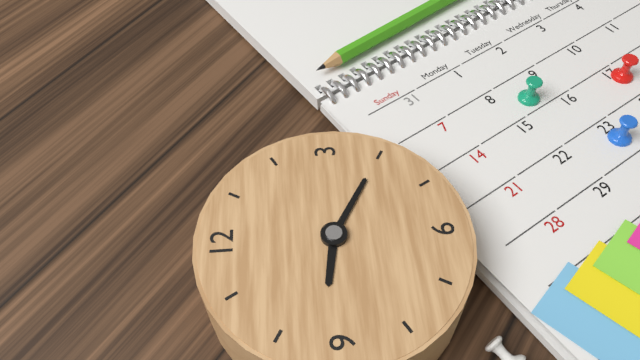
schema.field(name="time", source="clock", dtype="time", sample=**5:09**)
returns **9:20**
